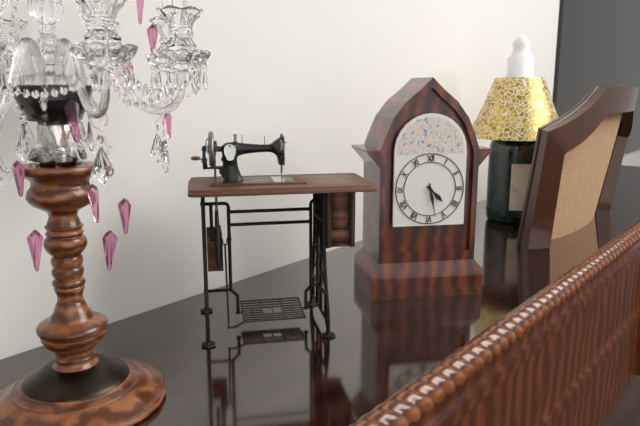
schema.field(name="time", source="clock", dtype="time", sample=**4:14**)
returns **4:28**
